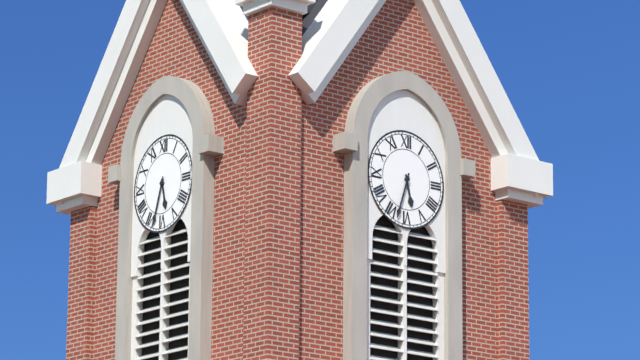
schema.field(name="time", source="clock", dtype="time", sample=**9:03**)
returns **5:33**
